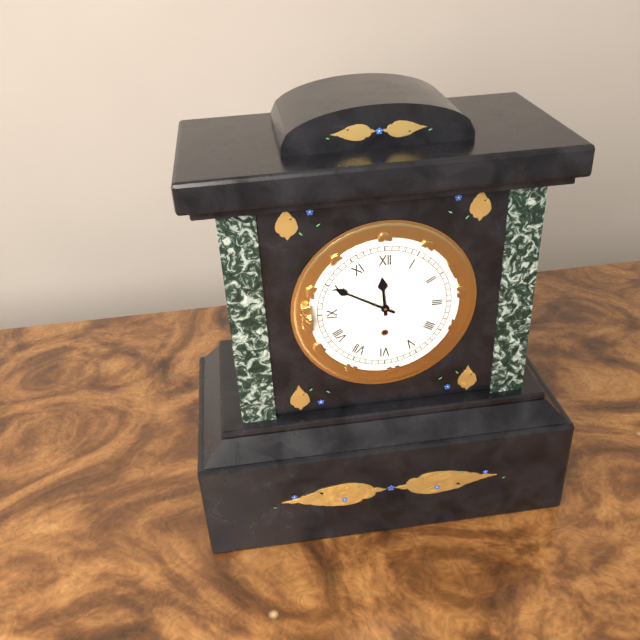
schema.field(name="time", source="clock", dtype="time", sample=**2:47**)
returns **11:50**
